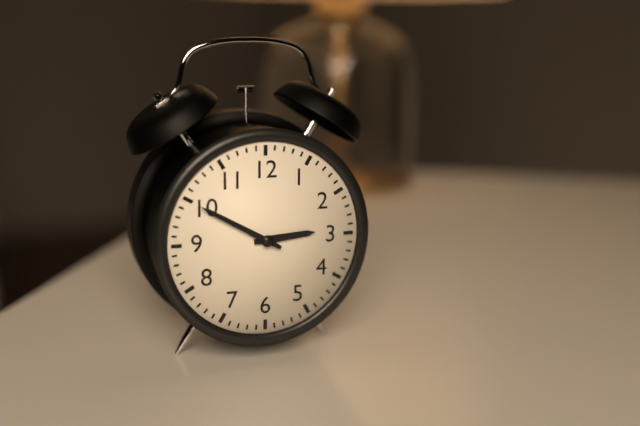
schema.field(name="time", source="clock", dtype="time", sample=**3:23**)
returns **2:50**
